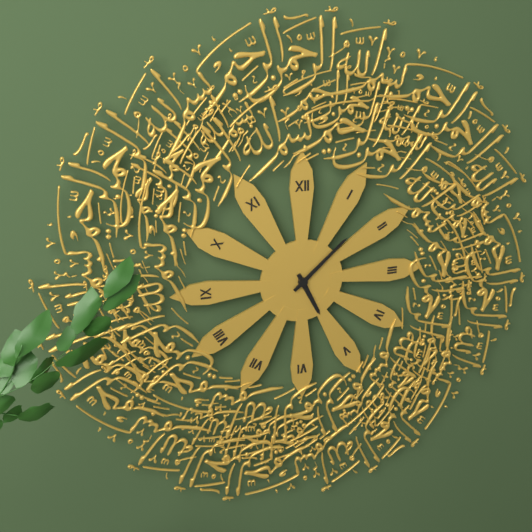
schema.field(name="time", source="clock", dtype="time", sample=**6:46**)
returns **5:08**
